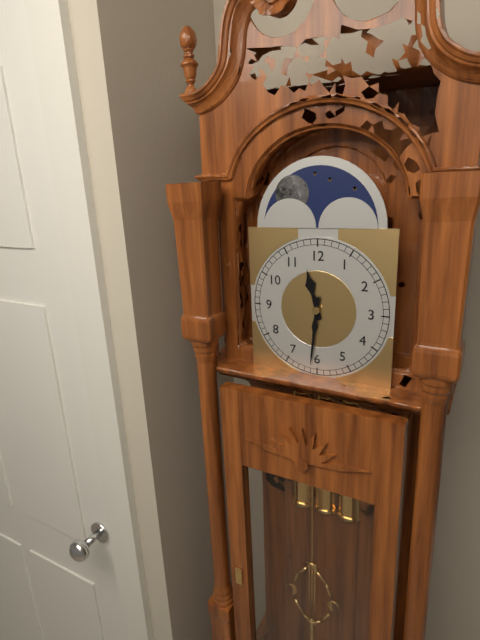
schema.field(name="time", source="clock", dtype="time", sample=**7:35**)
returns **11:31**
